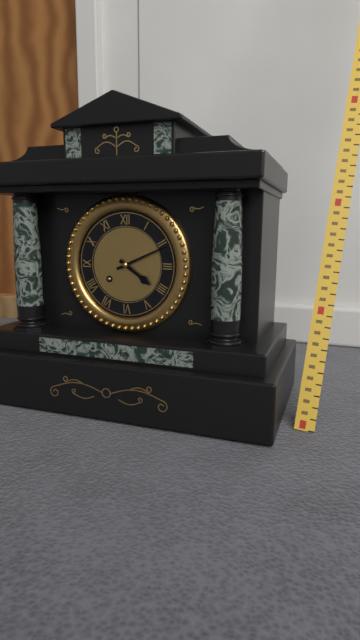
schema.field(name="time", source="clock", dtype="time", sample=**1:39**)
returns **4:11**
